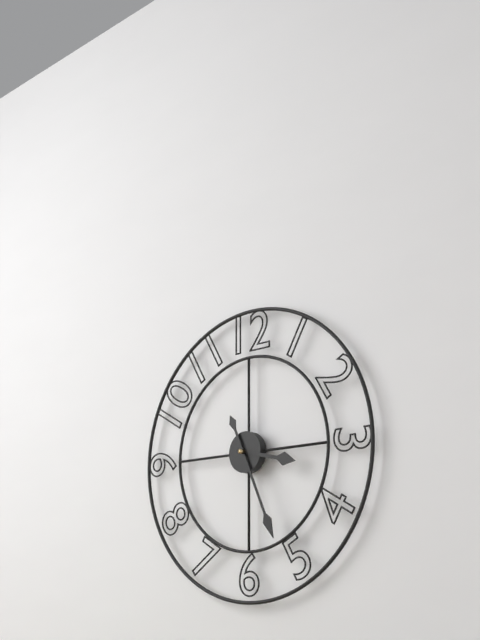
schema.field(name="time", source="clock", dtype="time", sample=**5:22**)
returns **3:26**
